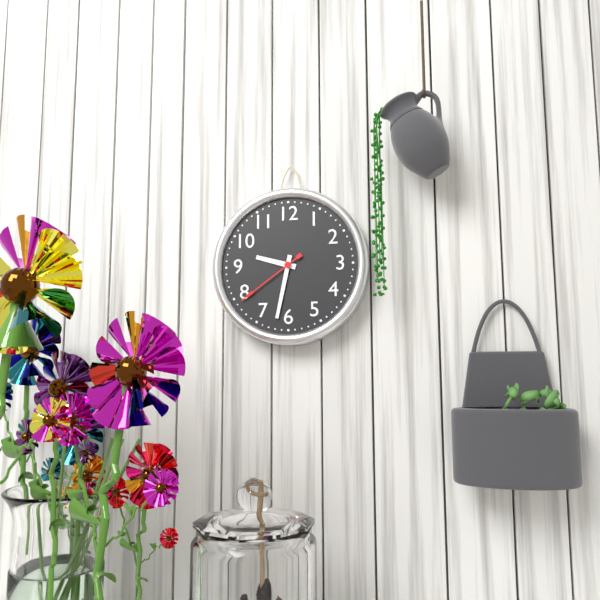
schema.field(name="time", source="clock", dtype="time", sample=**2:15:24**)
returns **9:32:39**
